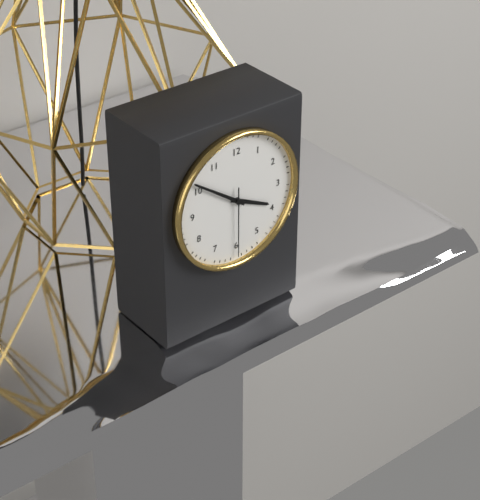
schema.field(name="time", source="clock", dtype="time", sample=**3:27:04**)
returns **3:51:30**
